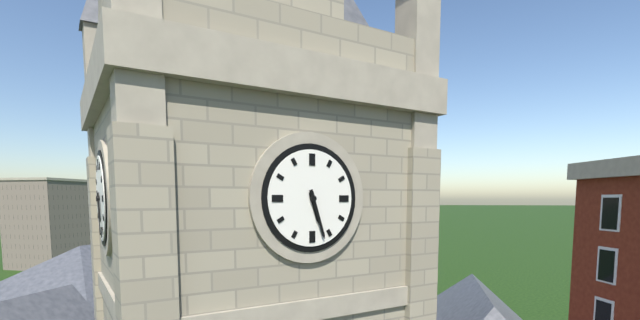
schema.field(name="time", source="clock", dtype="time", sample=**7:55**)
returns **5:27**
